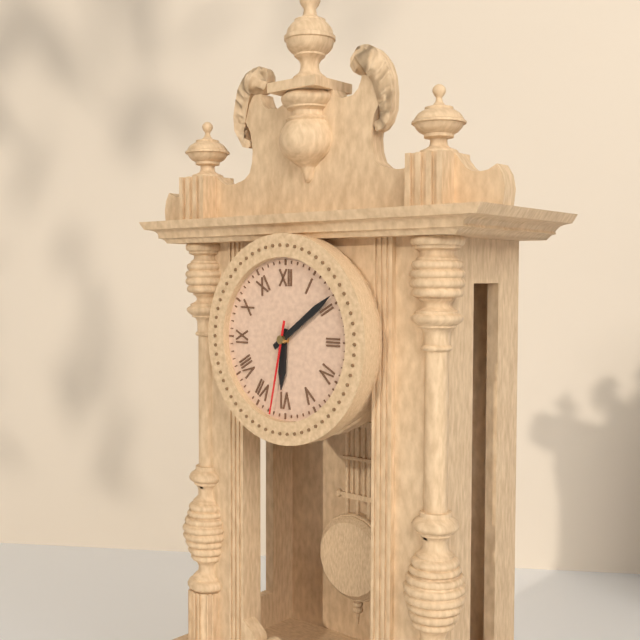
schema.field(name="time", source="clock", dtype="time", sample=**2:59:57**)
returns **6:09:32**
